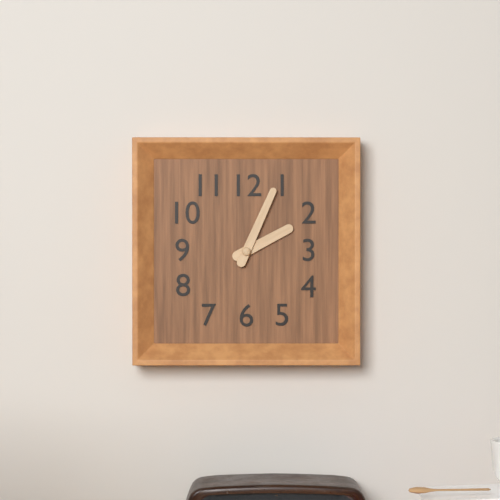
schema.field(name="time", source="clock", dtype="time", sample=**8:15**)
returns **2:04**
